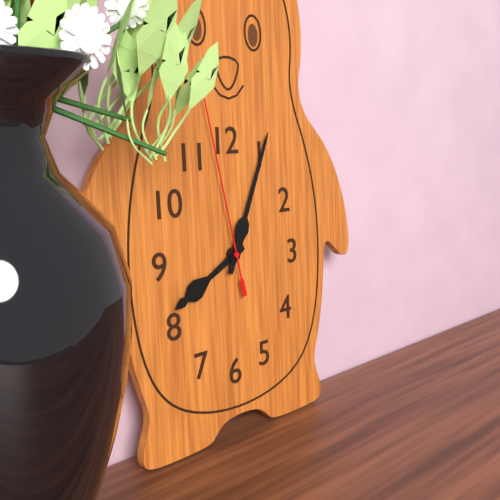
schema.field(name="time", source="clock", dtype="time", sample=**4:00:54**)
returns **8:04:58**
